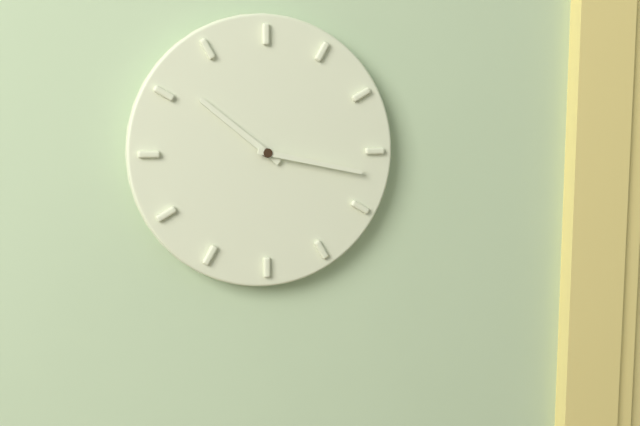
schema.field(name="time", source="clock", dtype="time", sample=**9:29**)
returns **10:17**
